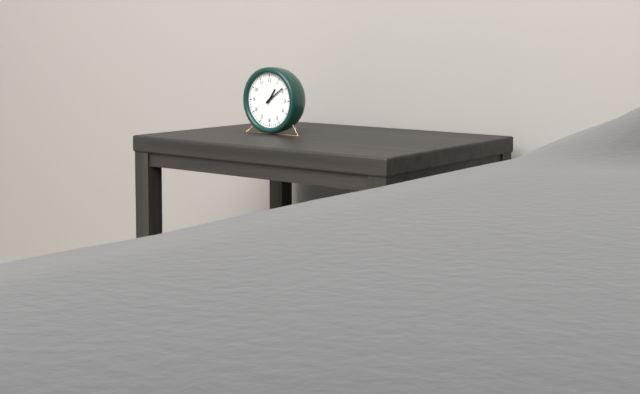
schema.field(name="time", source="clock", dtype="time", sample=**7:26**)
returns **1:09**
